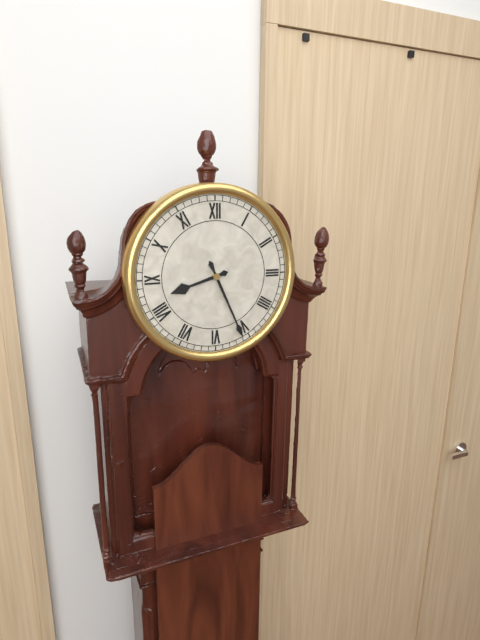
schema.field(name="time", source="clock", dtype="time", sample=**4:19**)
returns **8:26**
